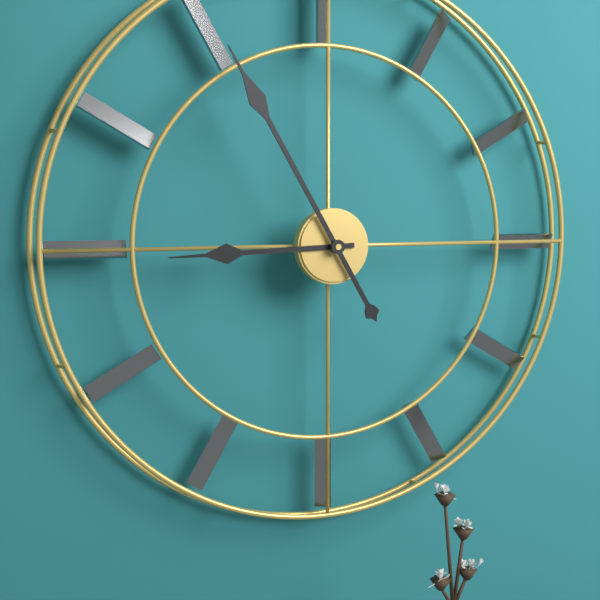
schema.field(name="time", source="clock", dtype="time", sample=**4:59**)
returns **8:55**
